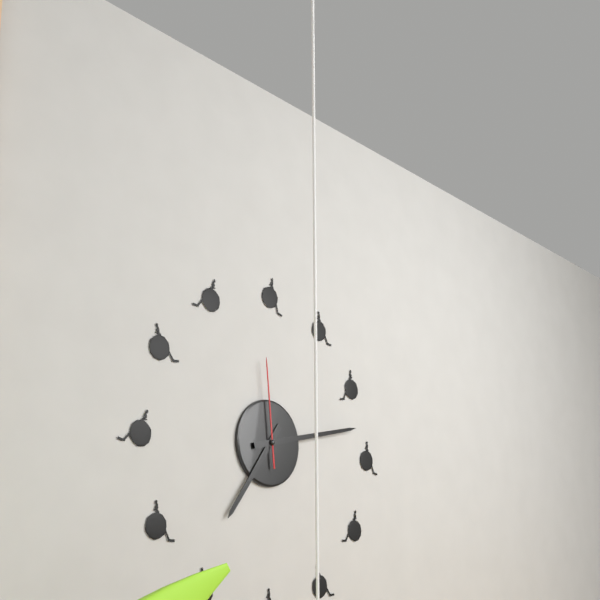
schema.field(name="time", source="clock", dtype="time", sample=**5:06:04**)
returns **7:13:59**
